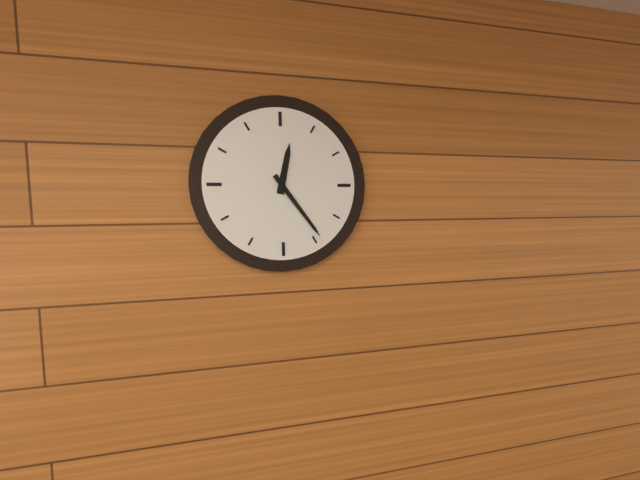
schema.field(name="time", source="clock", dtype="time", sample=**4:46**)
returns **12:24**
